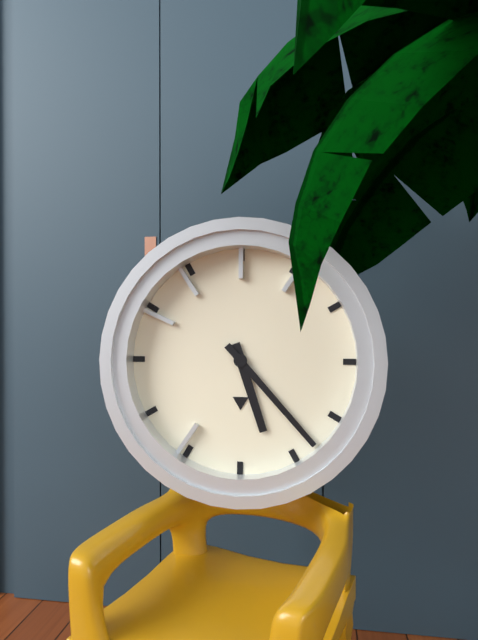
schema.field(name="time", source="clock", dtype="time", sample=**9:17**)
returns **5:23**
